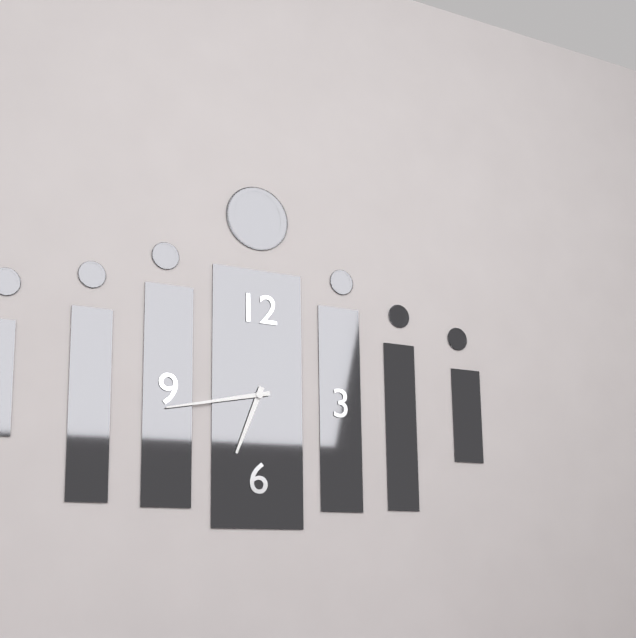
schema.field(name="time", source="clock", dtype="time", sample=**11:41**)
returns **6:43**
